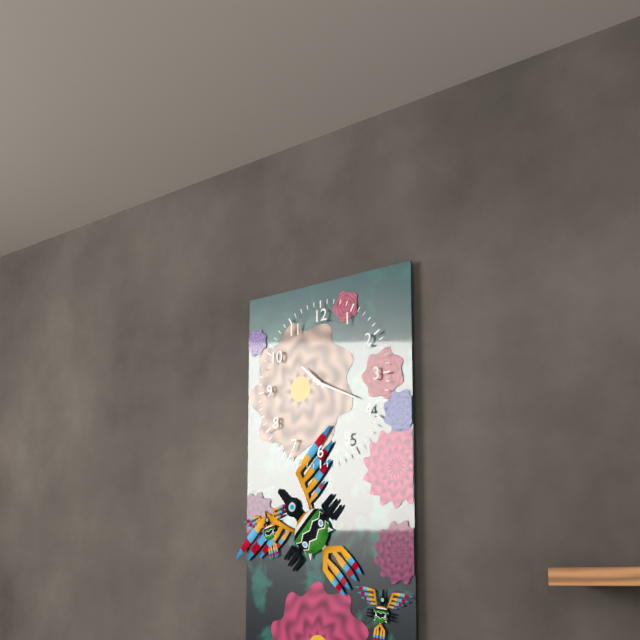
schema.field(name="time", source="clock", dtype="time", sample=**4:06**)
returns **10:19**
